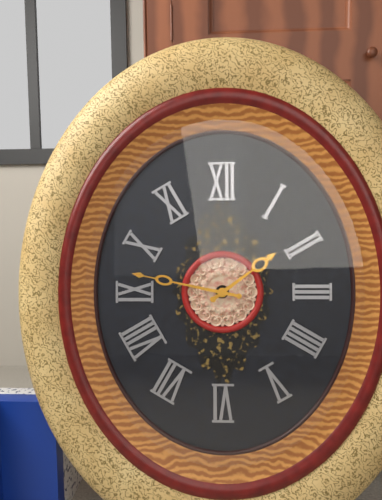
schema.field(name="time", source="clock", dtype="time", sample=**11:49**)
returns **1:47**
